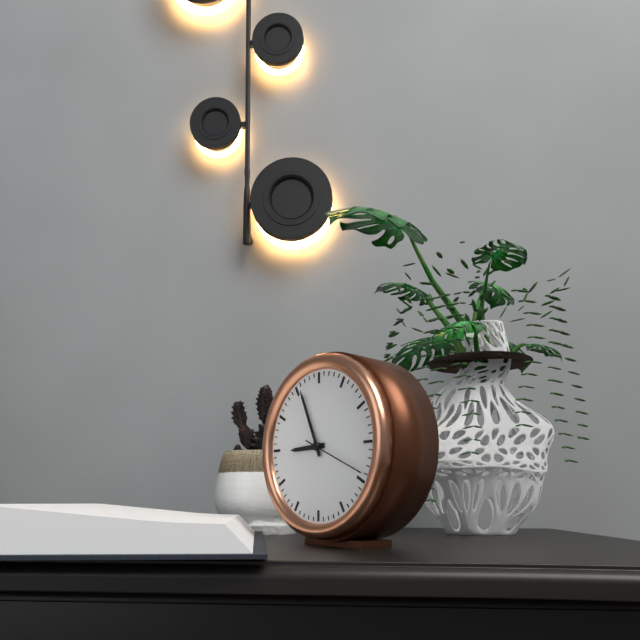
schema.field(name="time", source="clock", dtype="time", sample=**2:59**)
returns **8:56**
